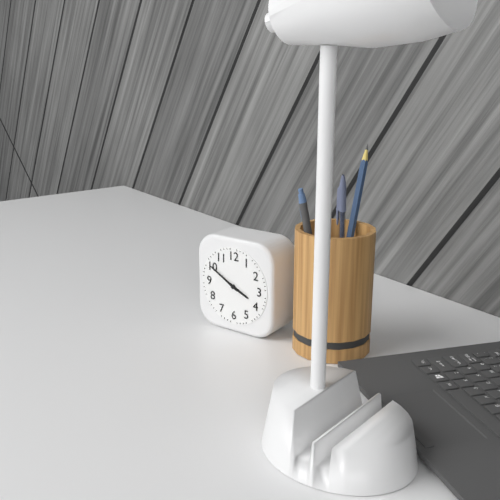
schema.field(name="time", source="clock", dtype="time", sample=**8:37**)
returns **3:50**
